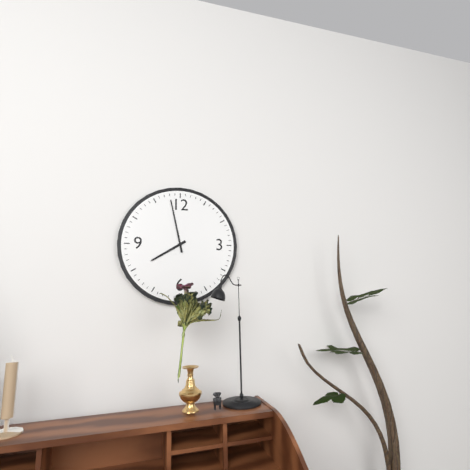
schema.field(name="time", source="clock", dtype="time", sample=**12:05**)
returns **7:58**
